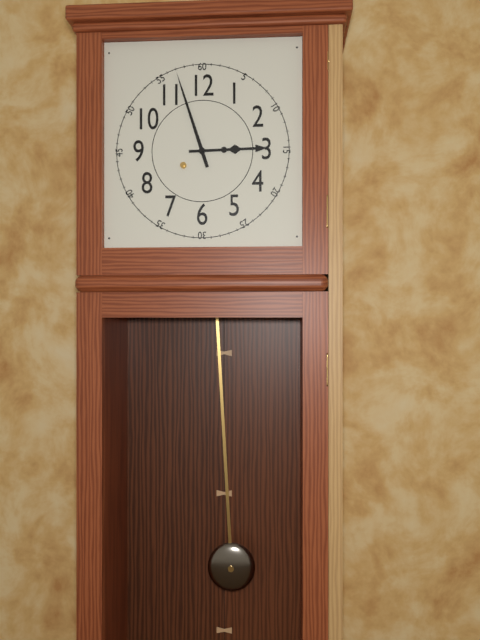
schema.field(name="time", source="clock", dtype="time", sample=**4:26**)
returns **2:57**
